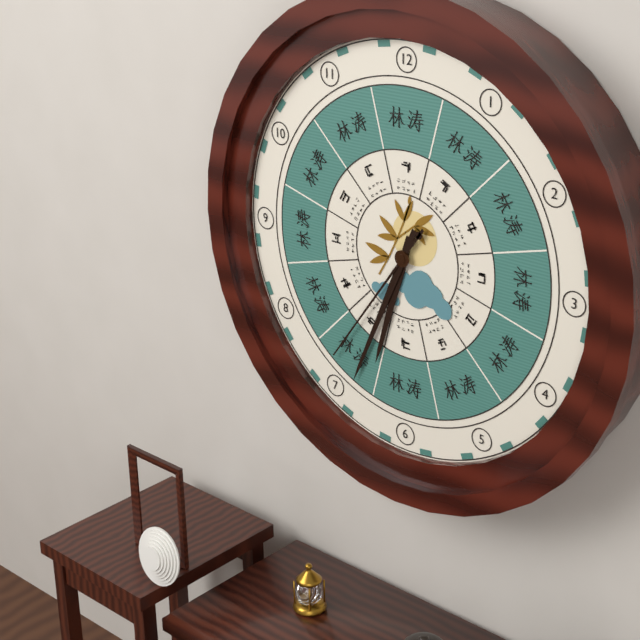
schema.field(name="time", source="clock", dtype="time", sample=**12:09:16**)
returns **6:34:36**
